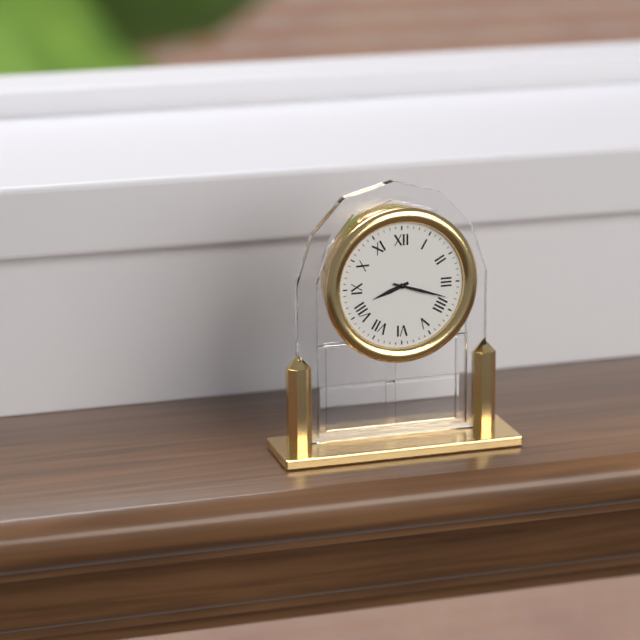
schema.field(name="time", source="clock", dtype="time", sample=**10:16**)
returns **8:18**
